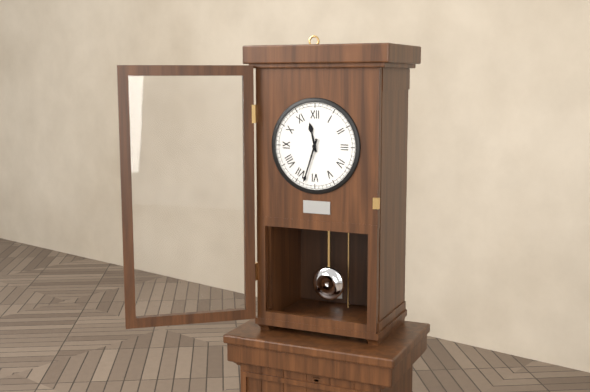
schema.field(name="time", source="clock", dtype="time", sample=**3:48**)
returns **11:33**
